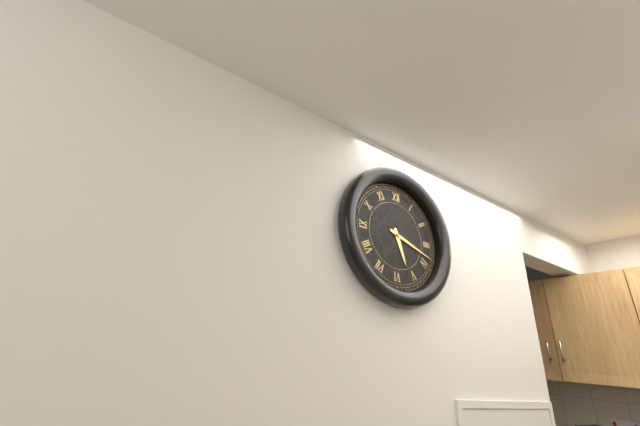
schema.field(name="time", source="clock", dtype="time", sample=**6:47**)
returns **5:18**
